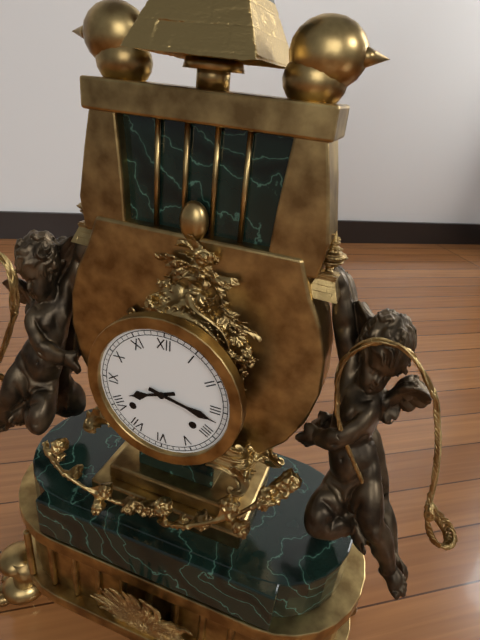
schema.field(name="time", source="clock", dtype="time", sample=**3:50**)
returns **8:17**
